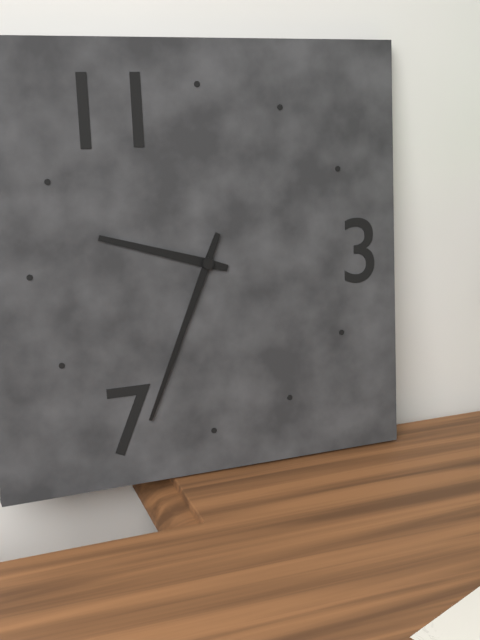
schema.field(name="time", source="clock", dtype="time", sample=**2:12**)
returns **9:34**
